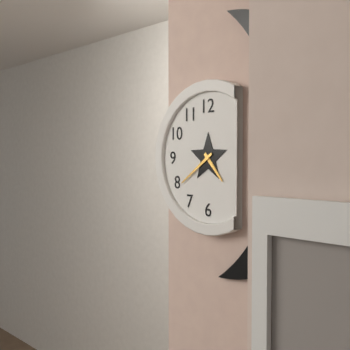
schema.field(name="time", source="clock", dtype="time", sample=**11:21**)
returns **4:39**
